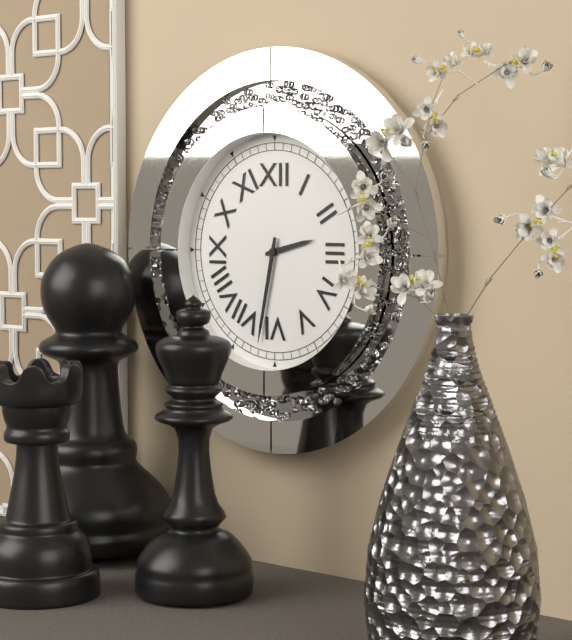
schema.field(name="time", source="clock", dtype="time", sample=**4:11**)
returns **2:32**
